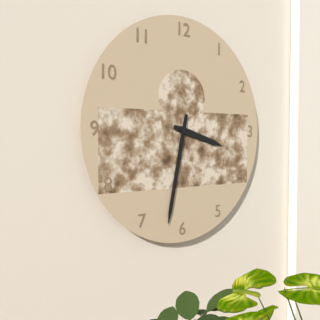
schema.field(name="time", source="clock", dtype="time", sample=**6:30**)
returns **3:32**
